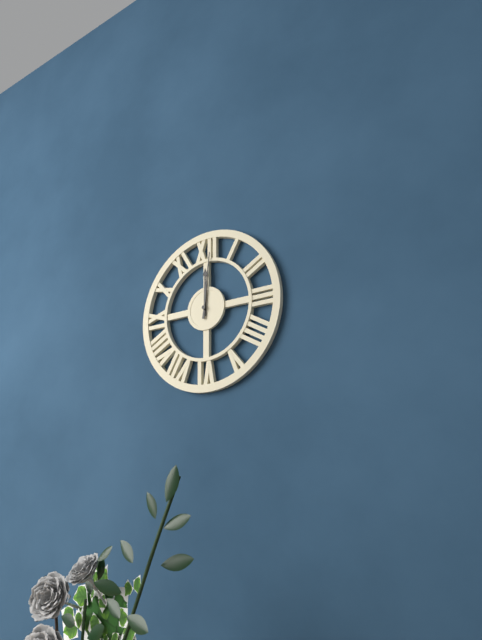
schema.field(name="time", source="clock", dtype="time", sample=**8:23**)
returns **12:01**
